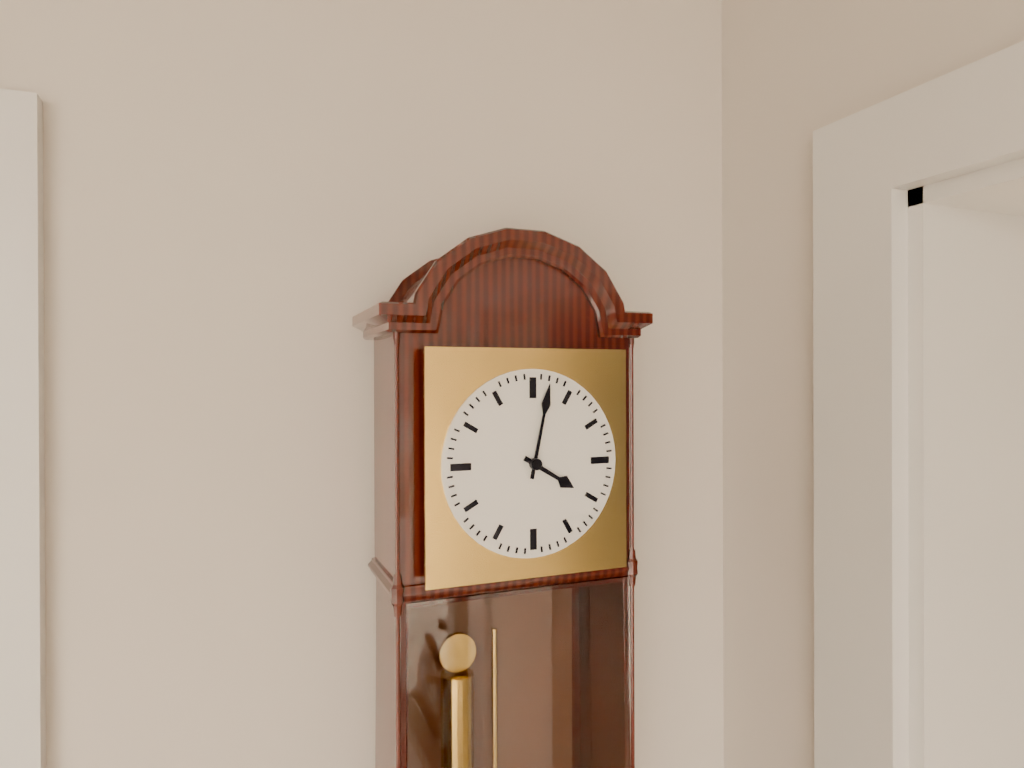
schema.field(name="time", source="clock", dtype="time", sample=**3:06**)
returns **4:02**
